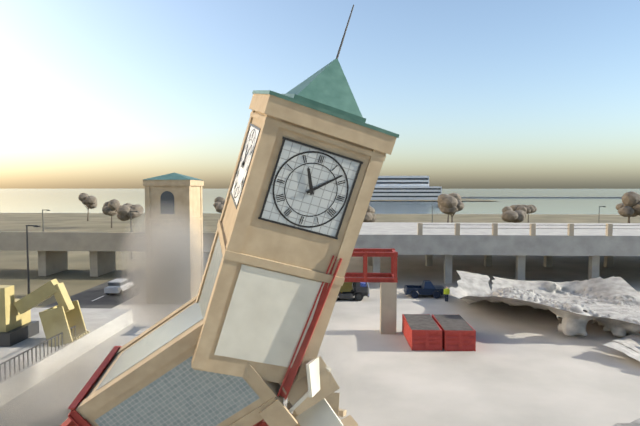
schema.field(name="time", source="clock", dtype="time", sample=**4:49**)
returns **11:08**
